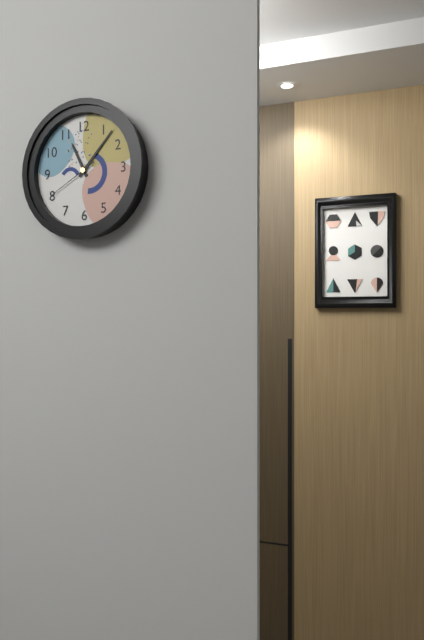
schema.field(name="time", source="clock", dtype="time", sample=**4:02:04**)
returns **11:07:40**
